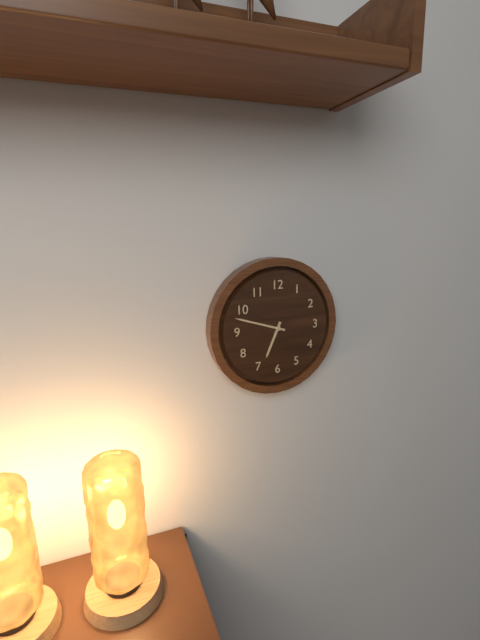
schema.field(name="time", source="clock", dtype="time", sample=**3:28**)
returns **6:48**
